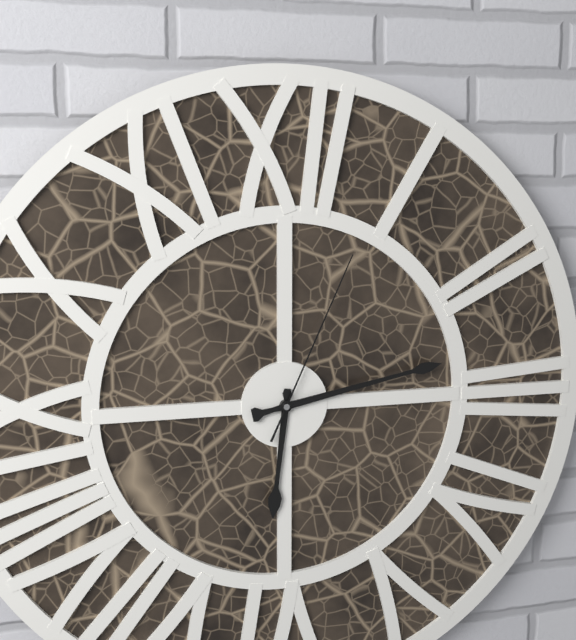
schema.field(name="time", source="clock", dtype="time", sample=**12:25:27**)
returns **6:13:04**
